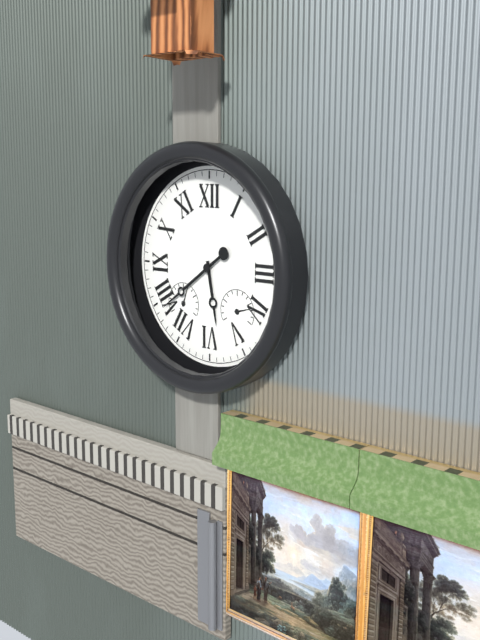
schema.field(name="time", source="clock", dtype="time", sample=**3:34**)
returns **5:39**
